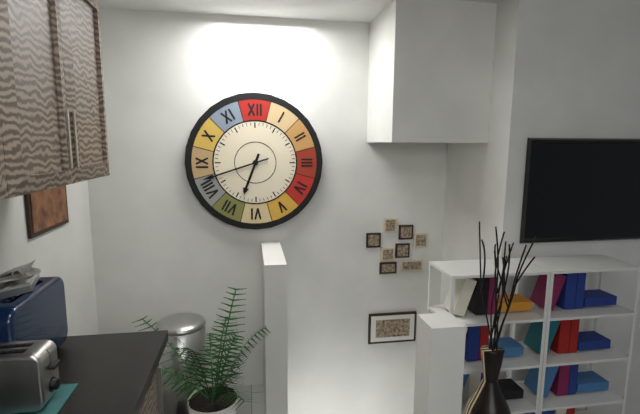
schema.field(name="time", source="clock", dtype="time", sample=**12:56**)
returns **6:42**
